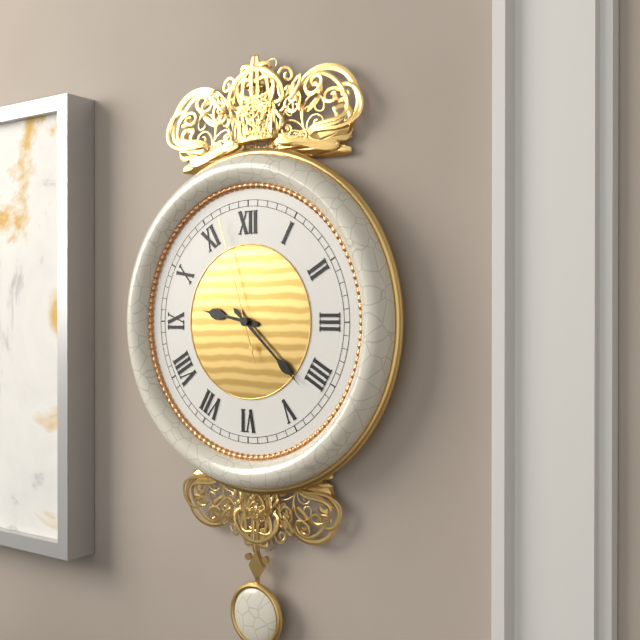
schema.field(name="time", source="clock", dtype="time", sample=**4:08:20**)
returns **9:22:57**
